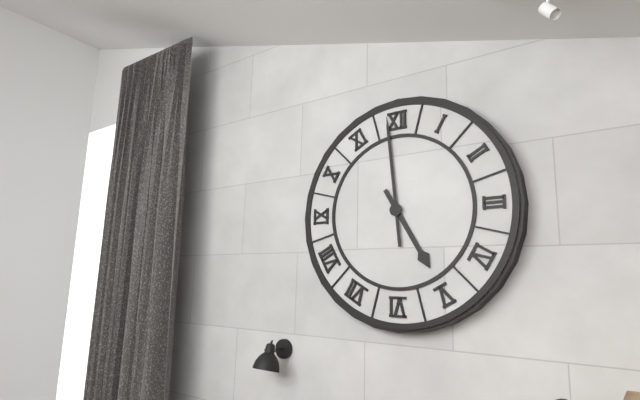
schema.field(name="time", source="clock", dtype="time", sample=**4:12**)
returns **4:59**
